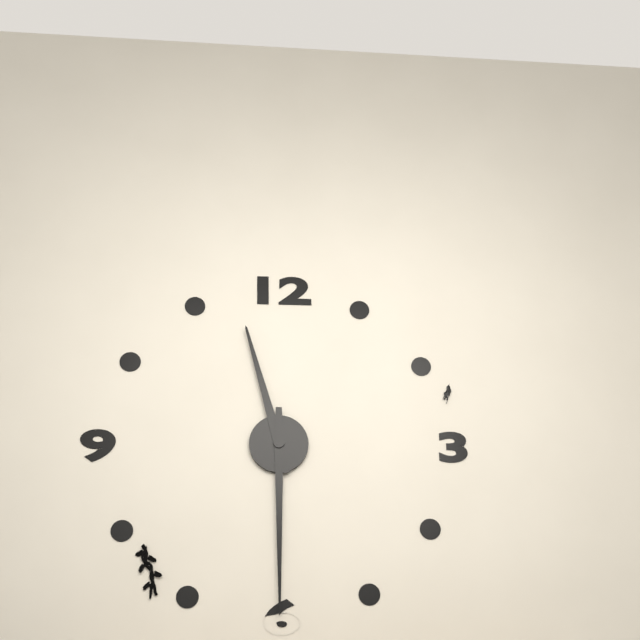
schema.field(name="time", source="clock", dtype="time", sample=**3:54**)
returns **11:30**
